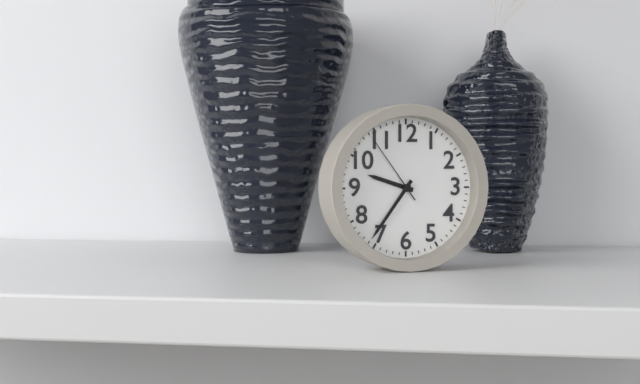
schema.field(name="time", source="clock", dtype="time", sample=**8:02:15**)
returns **9:36:54**
